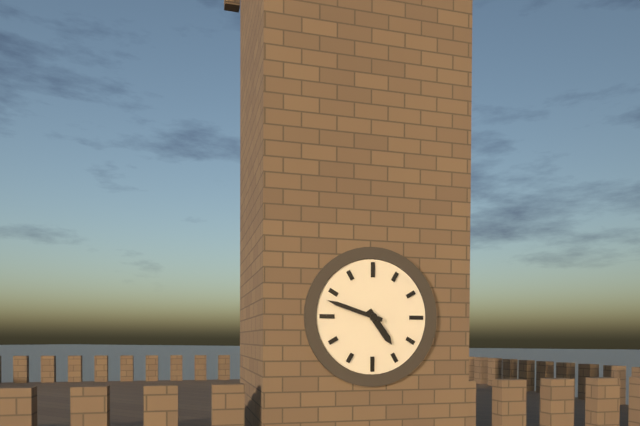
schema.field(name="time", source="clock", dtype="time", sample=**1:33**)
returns **4:48**
